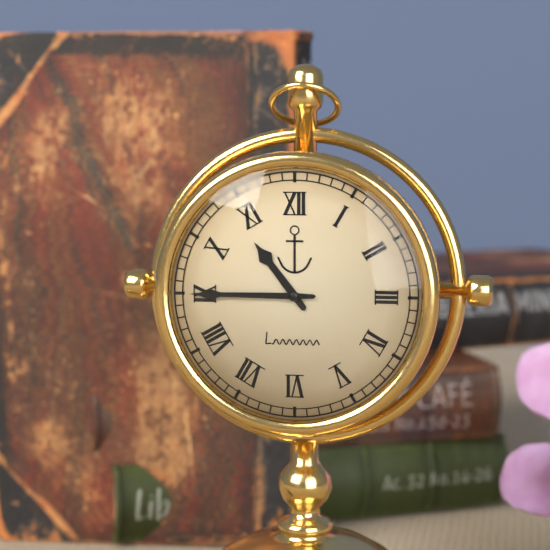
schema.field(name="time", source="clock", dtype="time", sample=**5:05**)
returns **10:45**
